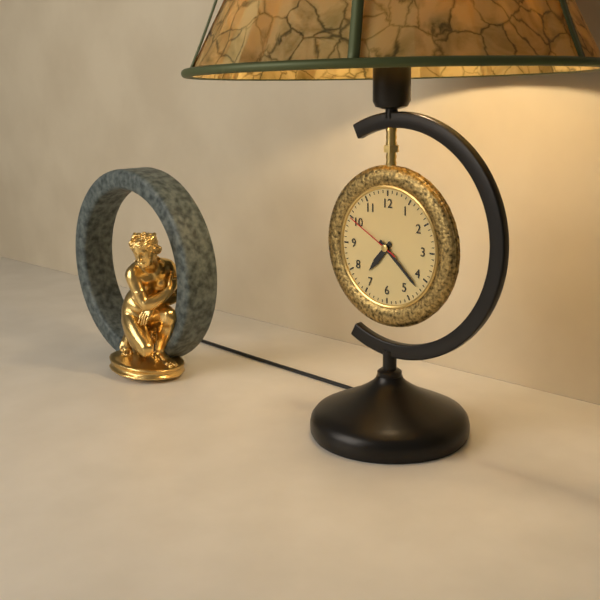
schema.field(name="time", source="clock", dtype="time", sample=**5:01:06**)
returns **7:22:50**
